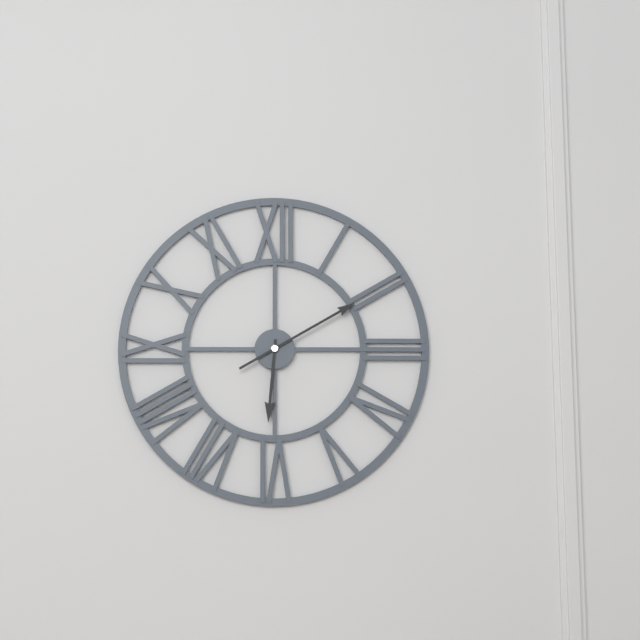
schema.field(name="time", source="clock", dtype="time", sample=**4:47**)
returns **6:10**
